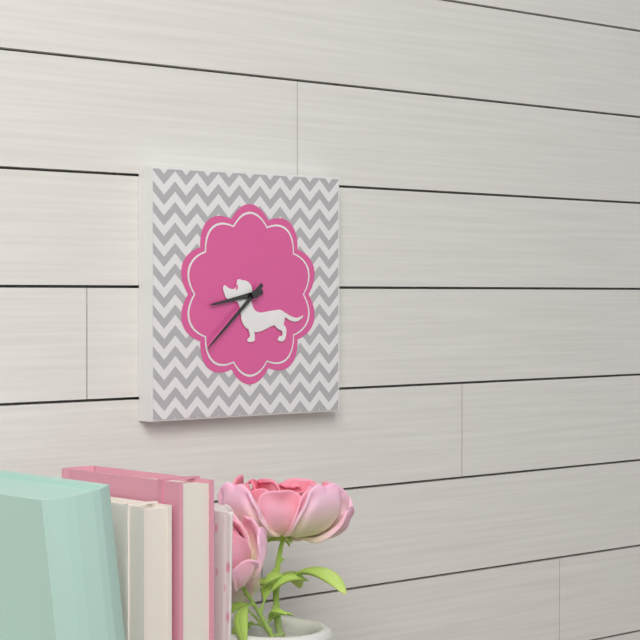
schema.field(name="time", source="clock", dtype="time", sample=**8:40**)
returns **8:38**
